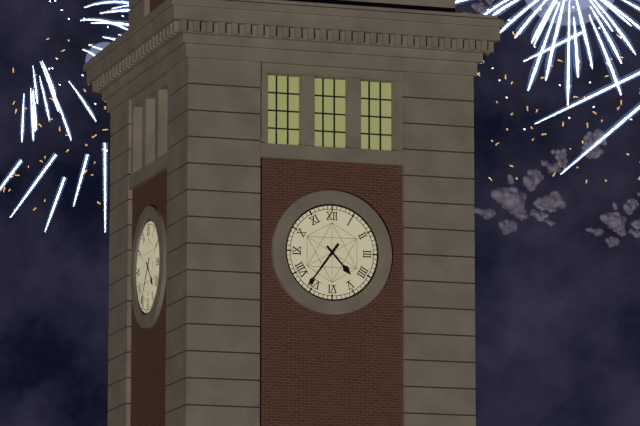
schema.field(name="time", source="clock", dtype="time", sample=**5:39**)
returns **4:36**
